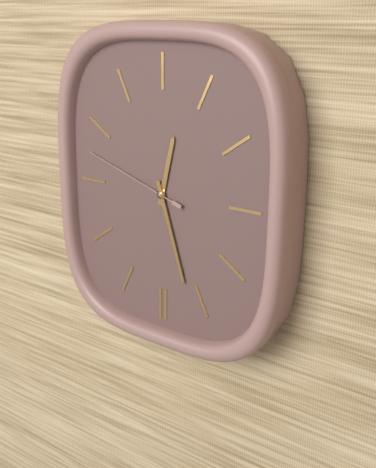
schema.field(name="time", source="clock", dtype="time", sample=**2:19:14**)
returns **12:27:48**
